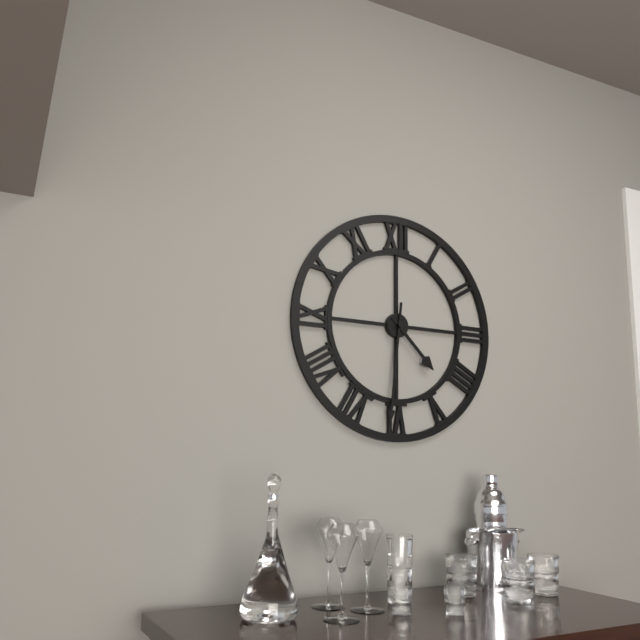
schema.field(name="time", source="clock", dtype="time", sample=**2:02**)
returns **4:31**
